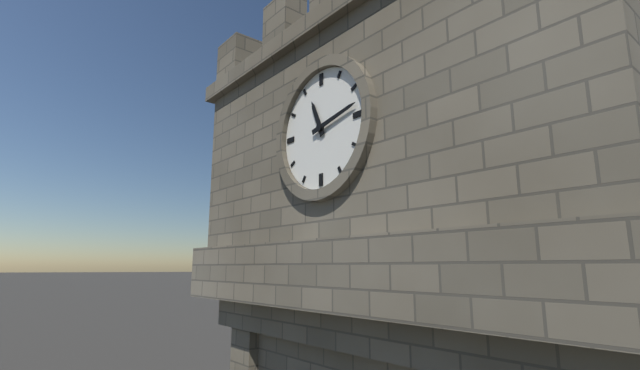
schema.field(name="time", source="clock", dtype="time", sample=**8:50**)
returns **11:13**
